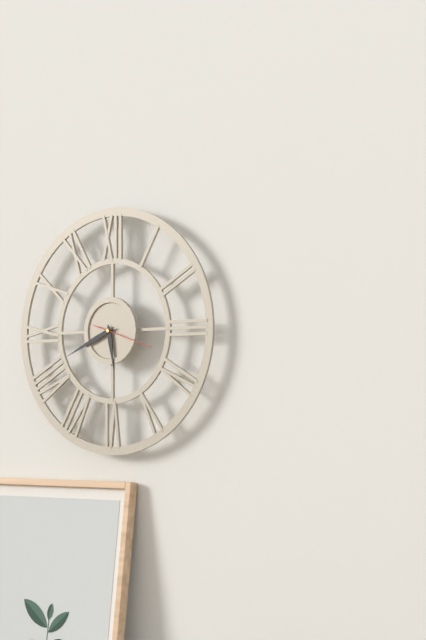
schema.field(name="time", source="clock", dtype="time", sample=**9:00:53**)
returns **5:41:18**
